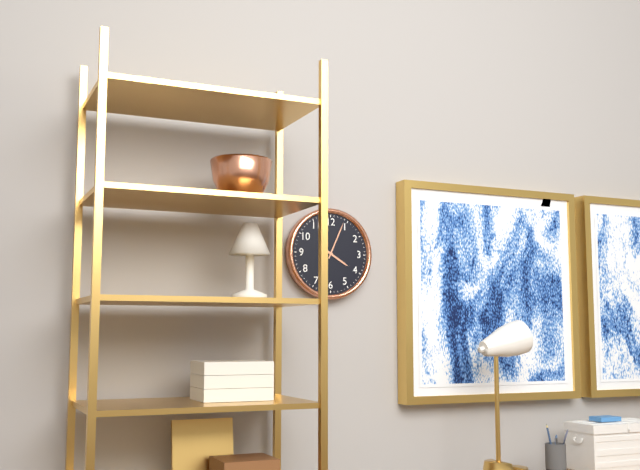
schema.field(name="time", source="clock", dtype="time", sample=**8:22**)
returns **4:04**
